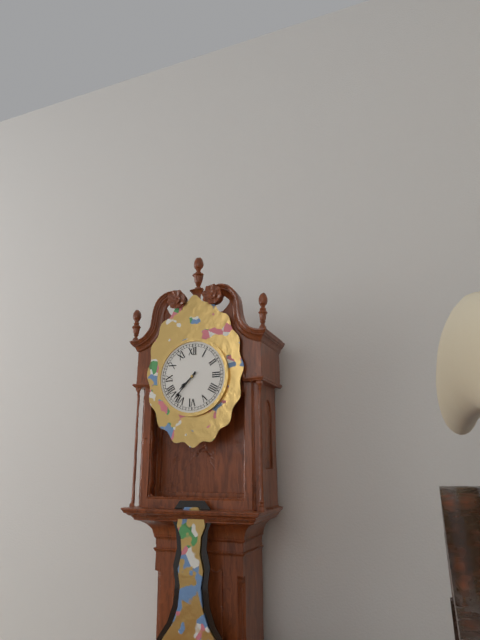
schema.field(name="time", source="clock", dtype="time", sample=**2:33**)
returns **7:37**
